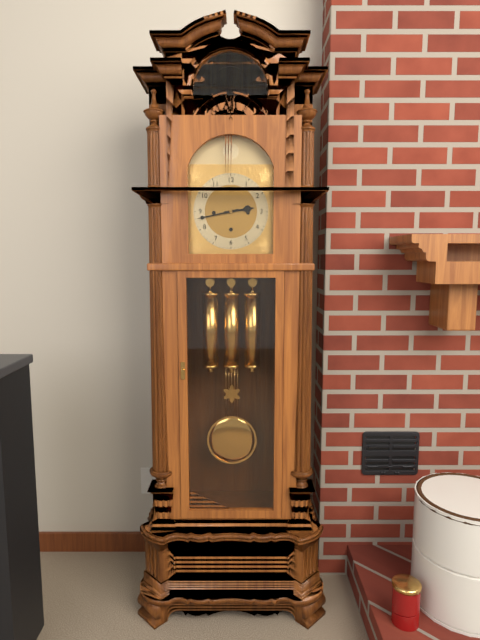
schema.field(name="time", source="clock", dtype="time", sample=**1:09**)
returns **2:43**
